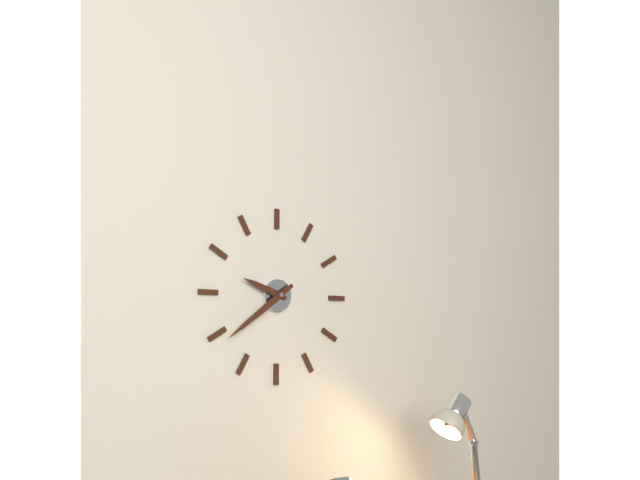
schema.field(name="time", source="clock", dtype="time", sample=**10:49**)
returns **9:39**
